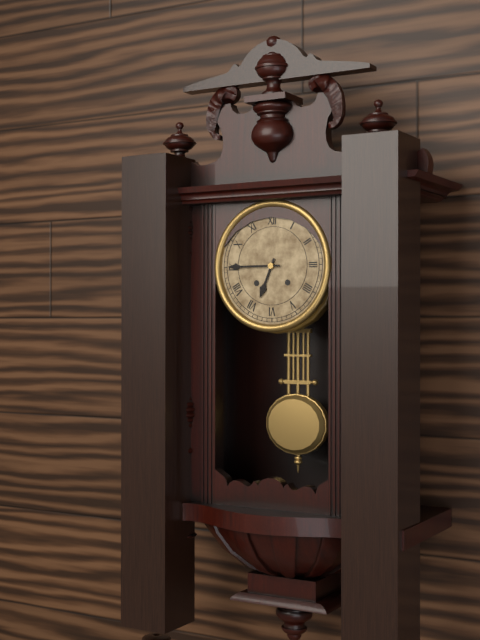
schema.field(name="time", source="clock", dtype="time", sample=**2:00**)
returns **6:45**
